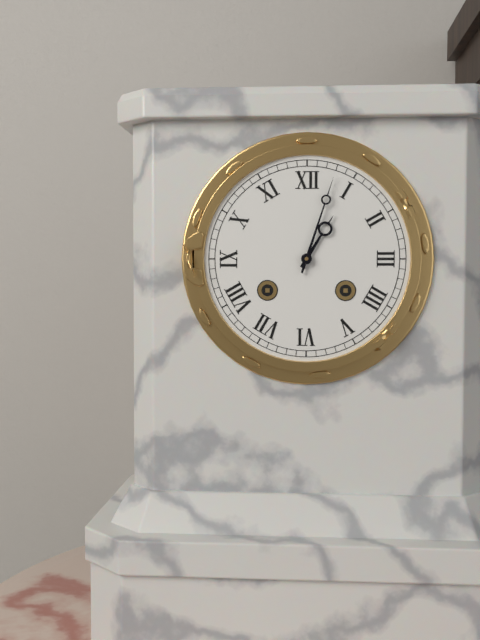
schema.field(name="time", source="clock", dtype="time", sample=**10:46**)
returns **1:03**
